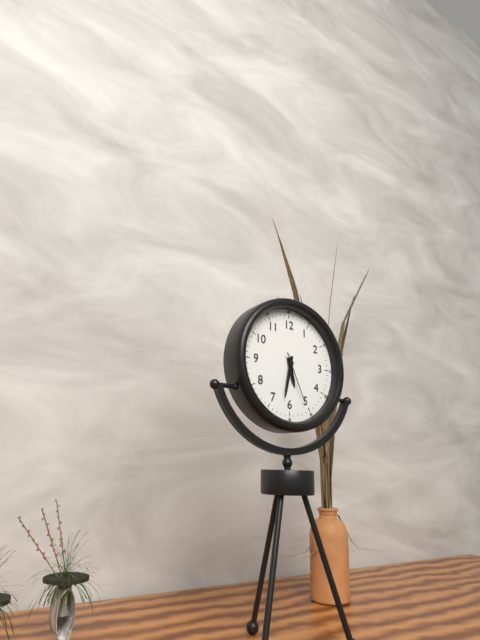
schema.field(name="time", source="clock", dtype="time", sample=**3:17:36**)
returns **5:32:26**
